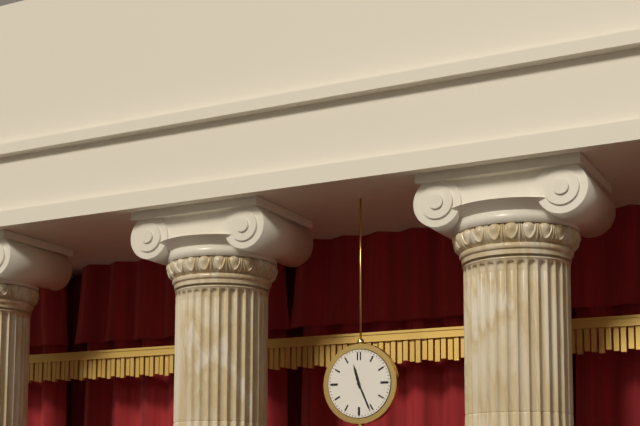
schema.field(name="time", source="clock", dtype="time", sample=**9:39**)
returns **11:26**
